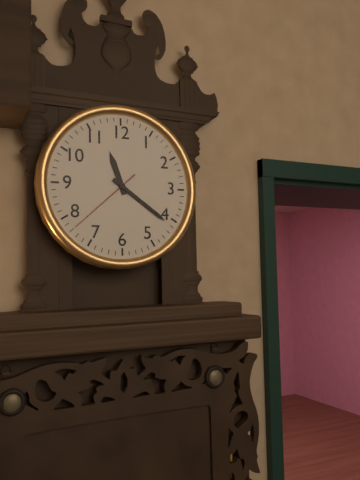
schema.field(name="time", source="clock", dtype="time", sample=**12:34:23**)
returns **11:21:38**
